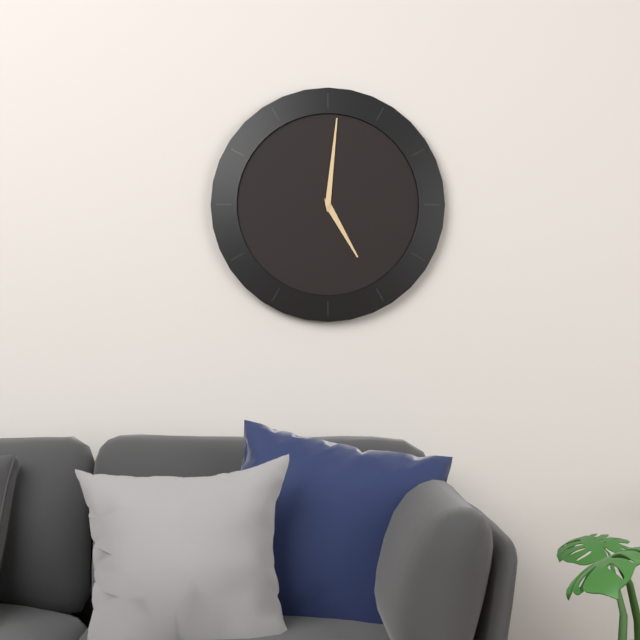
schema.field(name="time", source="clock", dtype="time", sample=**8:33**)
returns **5:01**
